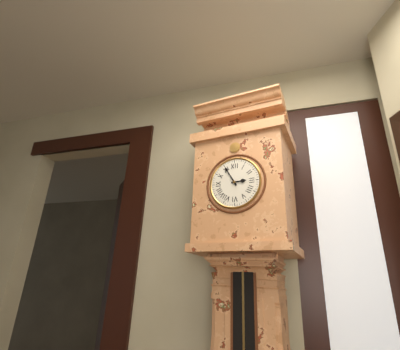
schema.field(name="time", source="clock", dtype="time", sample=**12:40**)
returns **2:55**
